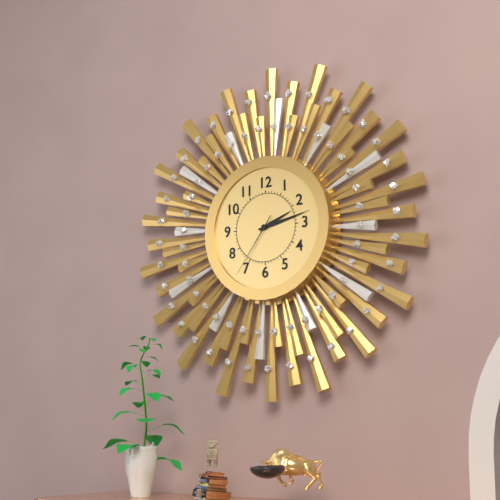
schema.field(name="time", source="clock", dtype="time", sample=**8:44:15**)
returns **2:13:36**
